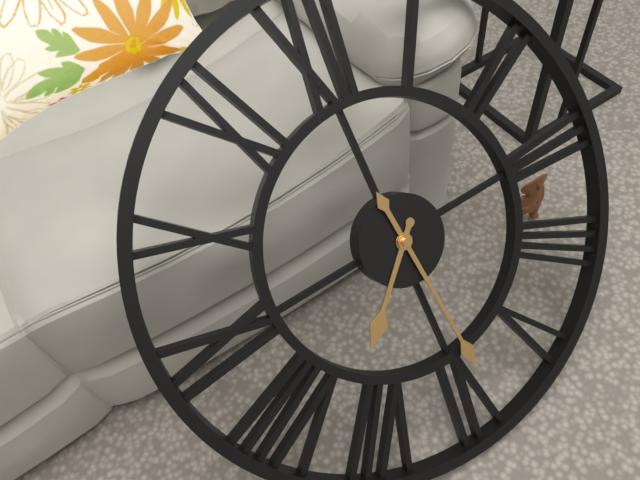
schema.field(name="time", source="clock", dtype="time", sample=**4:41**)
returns **7:29**
